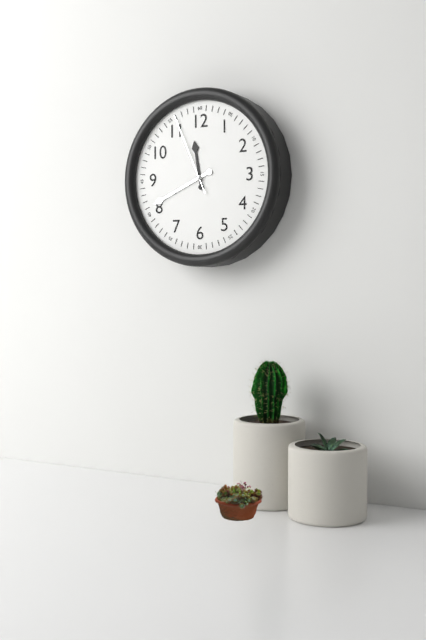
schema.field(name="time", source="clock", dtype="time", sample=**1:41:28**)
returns **11:41:56**
